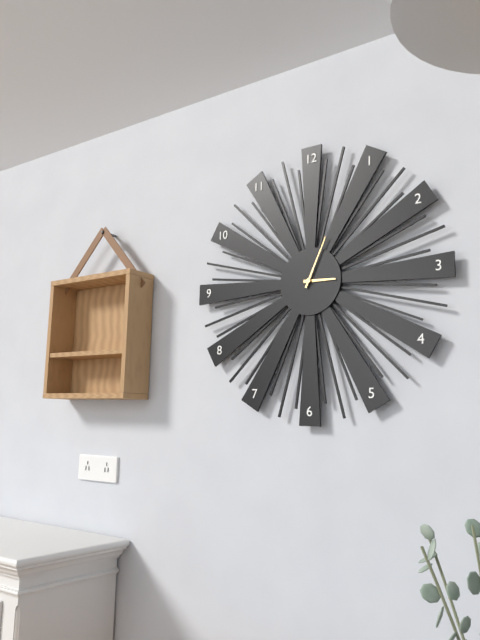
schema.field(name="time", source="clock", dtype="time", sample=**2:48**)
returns **3:04**
